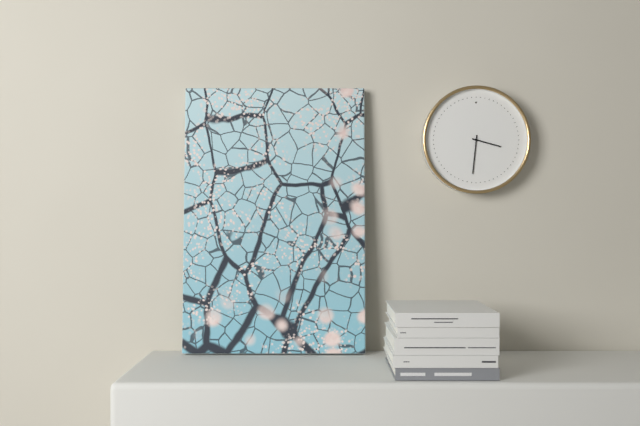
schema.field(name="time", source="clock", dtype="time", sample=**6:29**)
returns **3:31**
